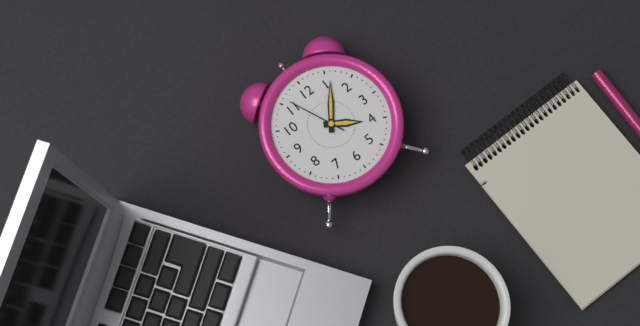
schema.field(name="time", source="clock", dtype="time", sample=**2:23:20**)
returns **4:06:56**
